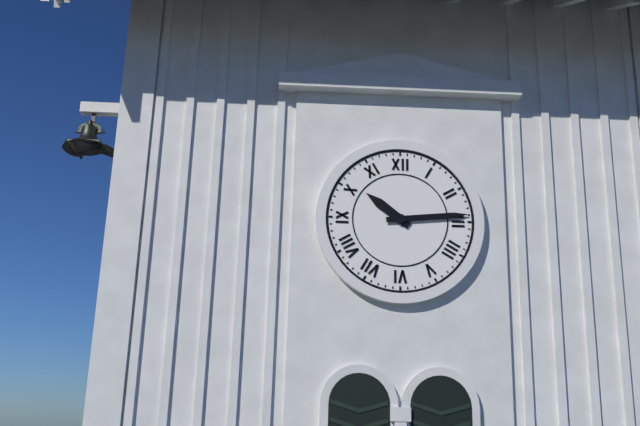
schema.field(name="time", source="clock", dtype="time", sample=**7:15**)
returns **10:14**
